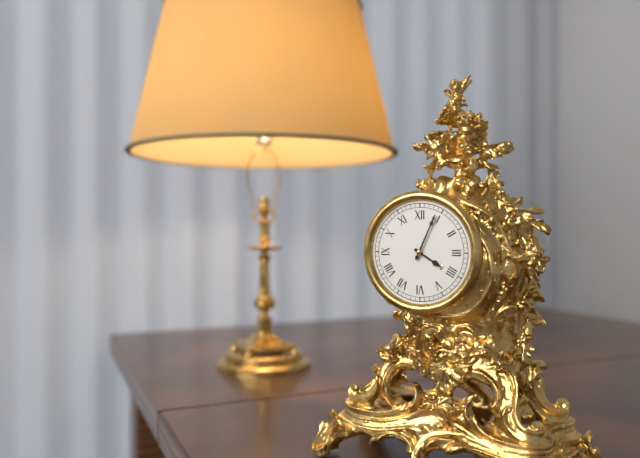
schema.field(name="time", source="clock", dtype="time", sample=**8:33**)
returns **4:04**
